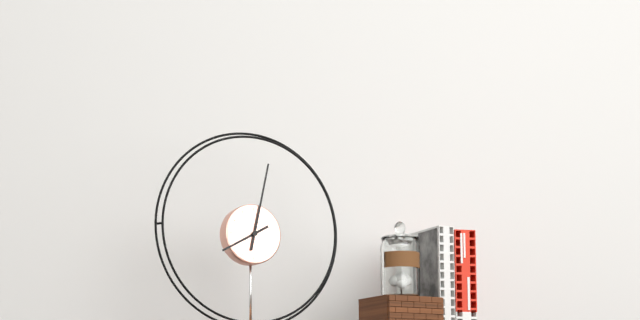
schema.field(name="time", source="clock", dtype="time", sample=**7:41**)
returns **8:02**
